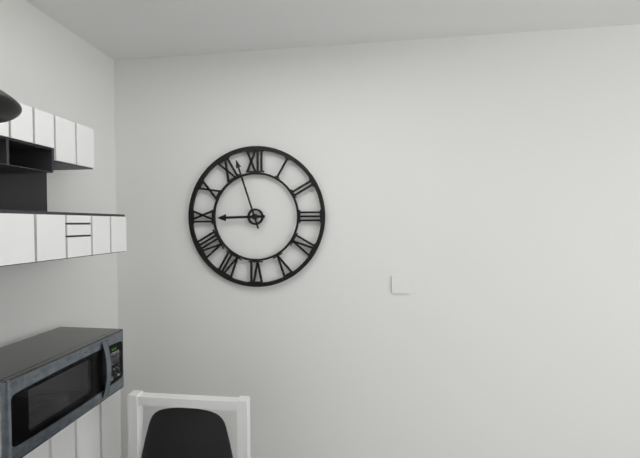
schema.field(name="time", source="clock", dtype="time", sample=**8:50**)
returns **8:57**
